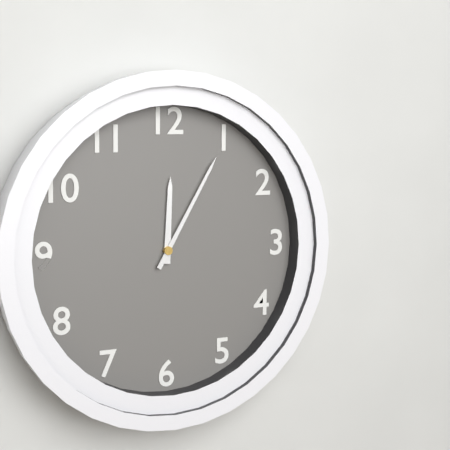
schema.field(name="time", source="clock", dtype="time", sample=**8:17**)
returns **12:05**
